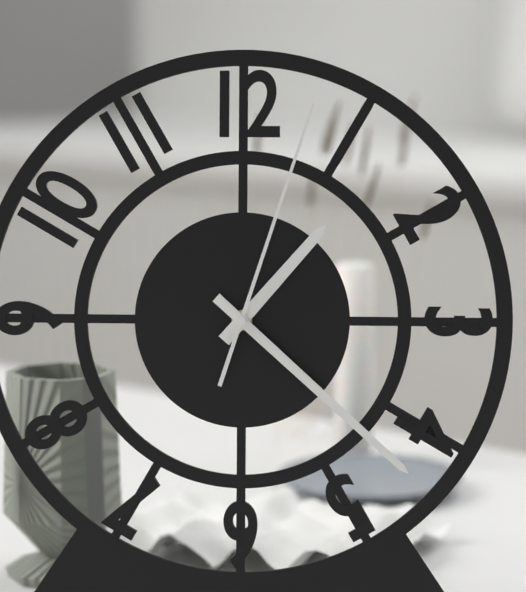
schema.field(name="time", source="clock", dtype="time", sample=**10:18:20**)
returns **1:22:03**
